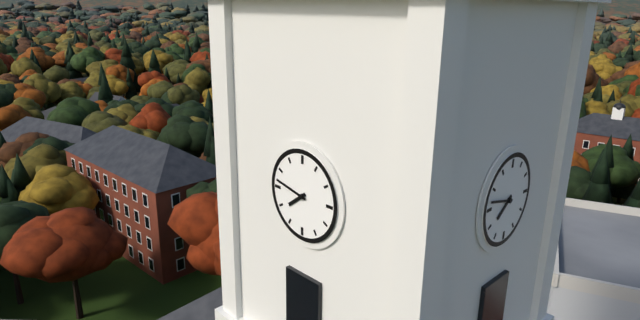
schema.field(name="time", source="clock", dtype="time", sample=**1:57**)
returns **7:47**
